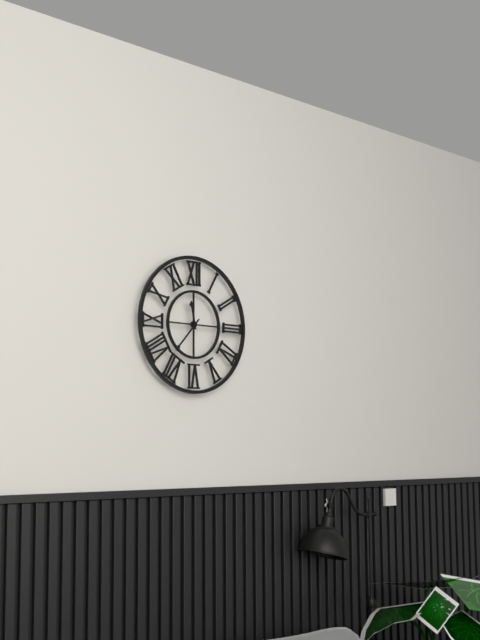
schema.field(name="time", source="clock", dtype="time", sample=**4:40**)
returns **11:37**
